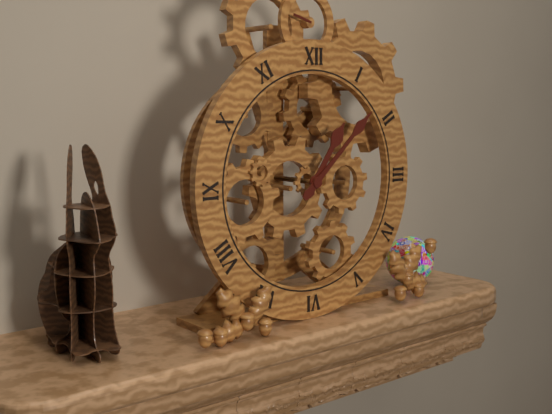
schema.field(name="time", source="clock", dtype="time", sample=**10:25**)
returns **1:08**
